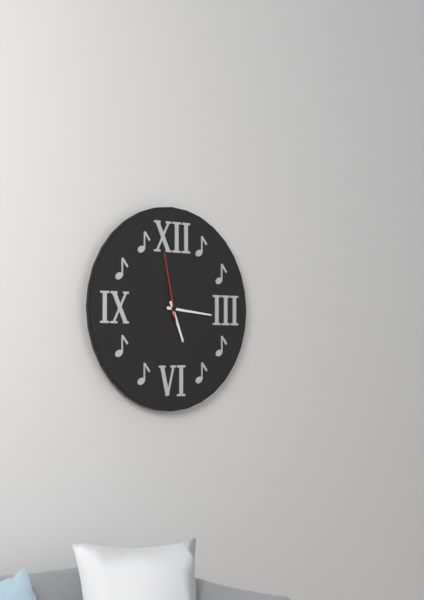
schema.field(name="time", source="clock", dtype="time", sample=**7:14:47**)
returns **5:16:58**
